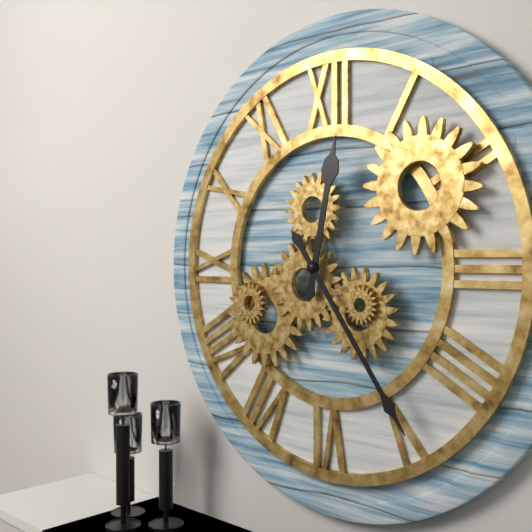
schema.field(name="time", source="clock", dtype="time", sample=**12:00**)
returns **12:24**
